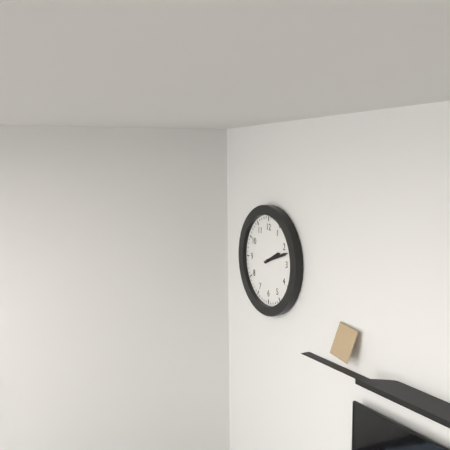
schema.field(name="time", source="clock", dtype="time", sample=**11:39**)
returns **2:12**
